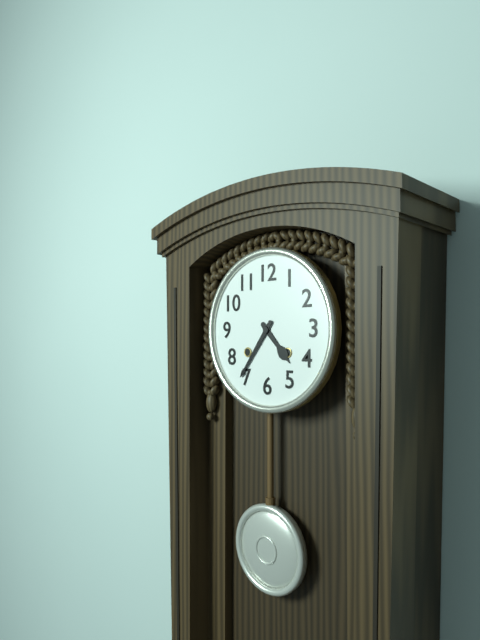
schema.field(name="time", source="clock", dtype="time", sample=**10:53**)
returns **4:36**
